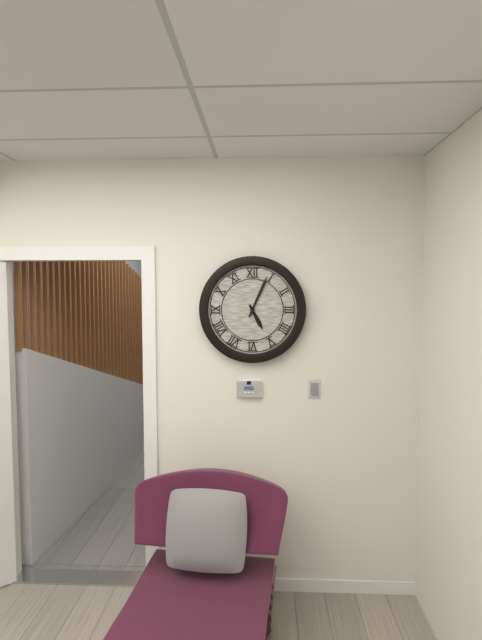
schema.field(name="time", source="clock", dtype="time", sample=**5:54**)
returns **5:04**
